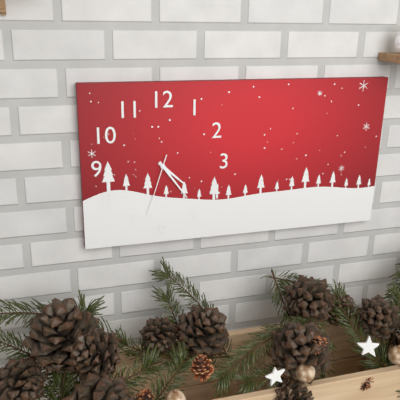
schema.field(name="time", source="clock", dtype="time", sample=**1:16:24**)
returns **4:24:33**
